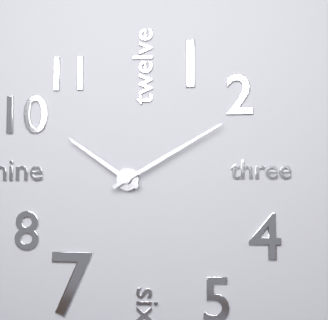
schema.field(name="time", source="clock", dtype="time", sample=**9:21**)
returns **10:10**
